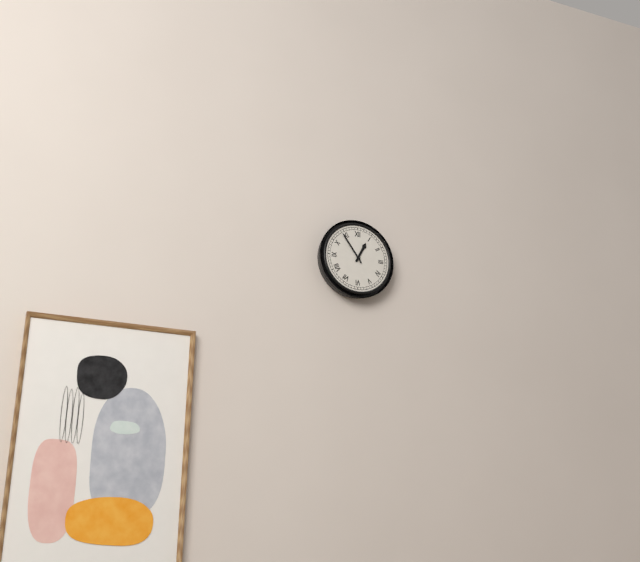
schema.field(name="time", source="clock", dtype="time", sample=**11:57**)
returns **12:54**
